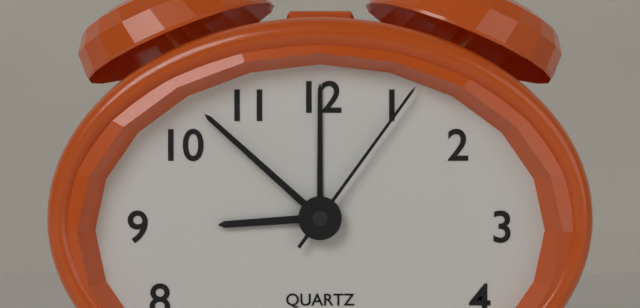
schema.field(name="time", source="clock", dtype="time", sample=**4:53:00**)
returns **8:52:06**
